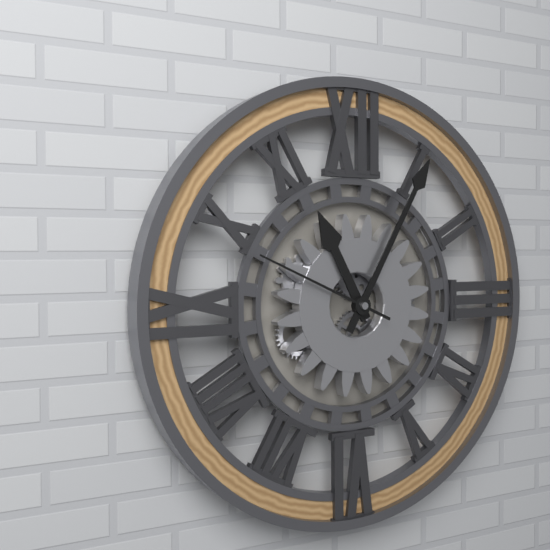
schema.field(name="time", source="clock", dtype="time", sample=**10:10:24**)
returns **11:05:49**
